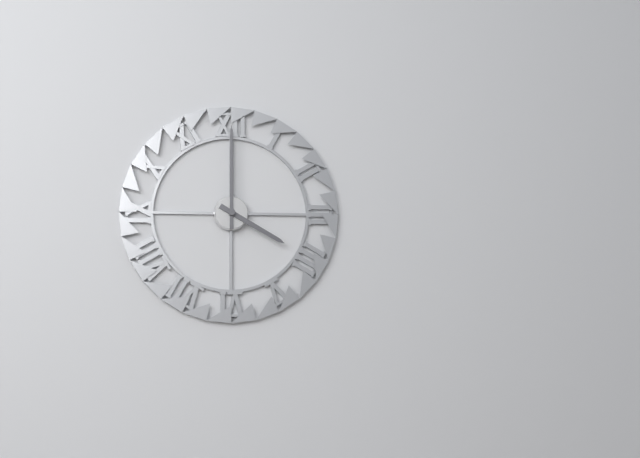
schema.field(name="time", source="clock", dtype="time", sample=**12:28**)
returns **4:00**
